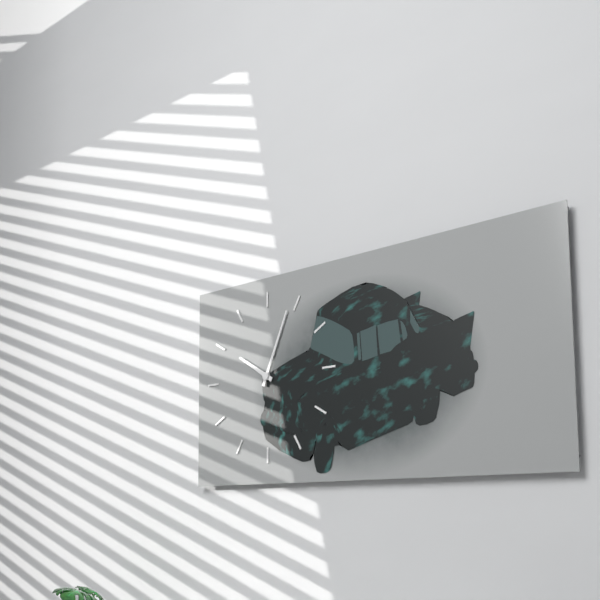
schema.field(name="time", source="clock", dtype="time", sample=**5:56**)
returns **10:04**
